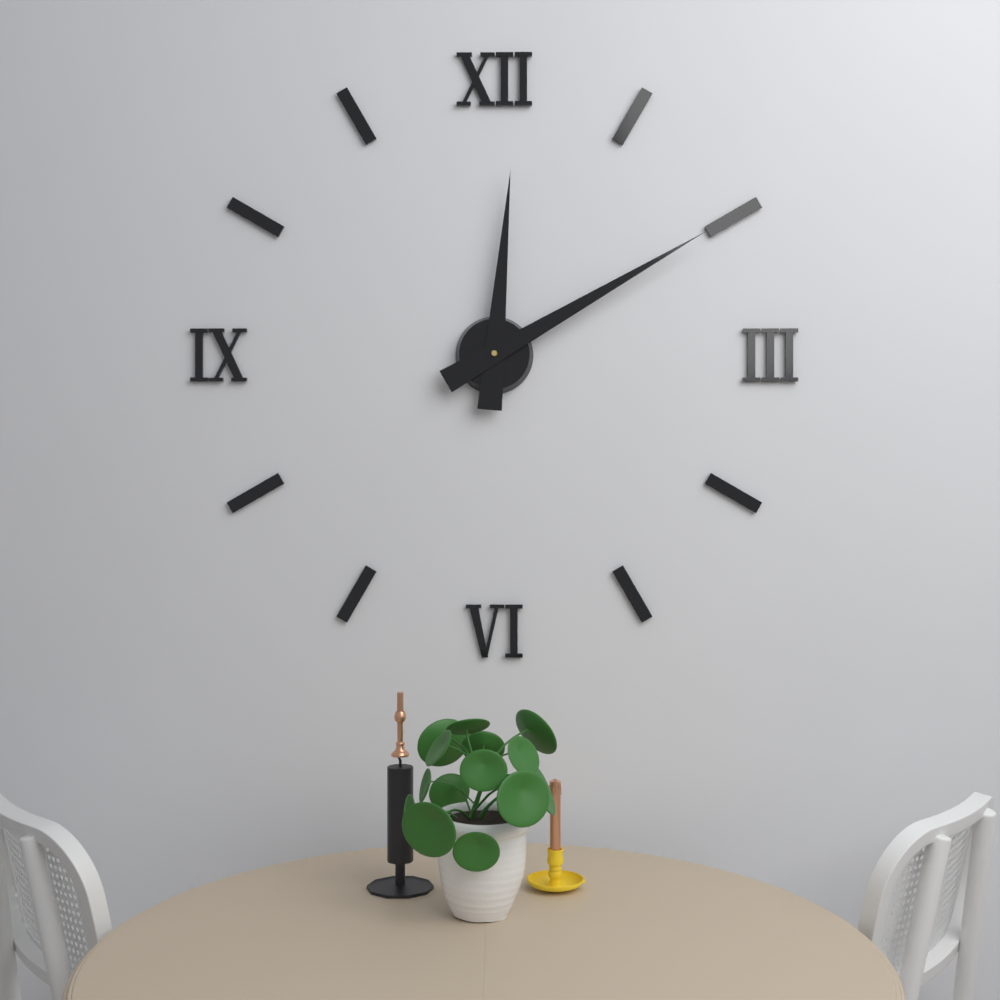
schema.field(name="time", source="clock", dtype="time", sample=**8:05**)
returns **12:10**
